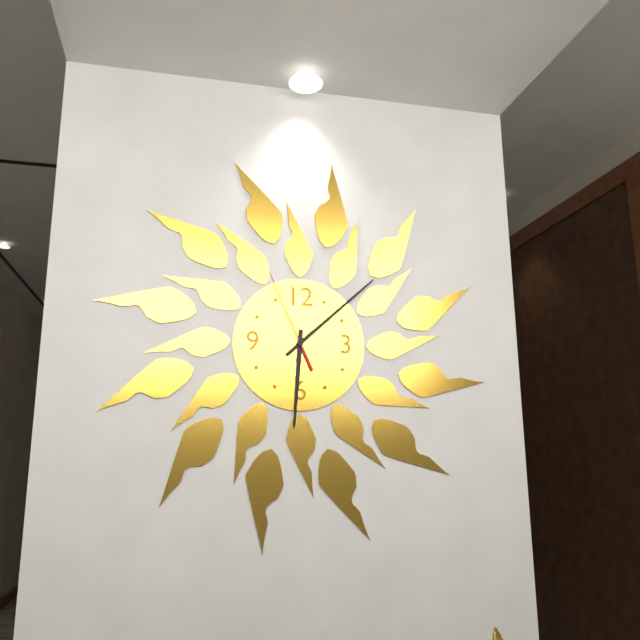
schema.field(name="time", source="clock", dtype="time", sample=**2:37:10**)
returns **6:08:56**
